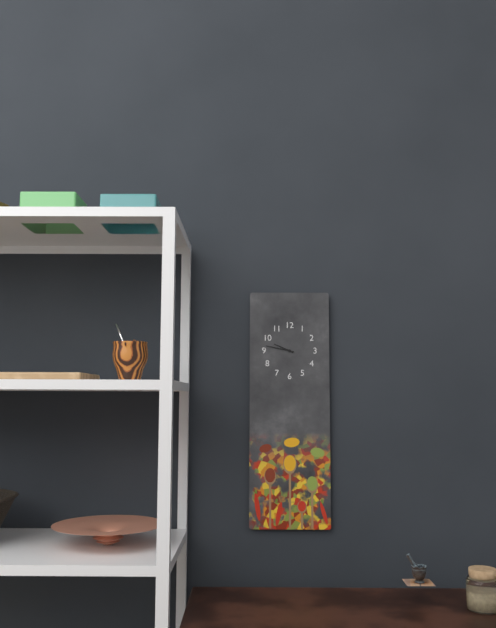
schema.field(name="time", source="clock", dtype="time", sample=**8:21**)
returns **9:47**
